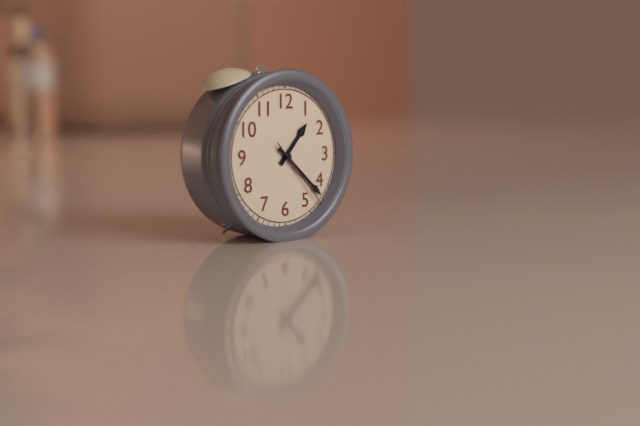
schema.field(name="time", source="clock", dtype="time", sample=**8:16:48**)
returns **1:22:23**
